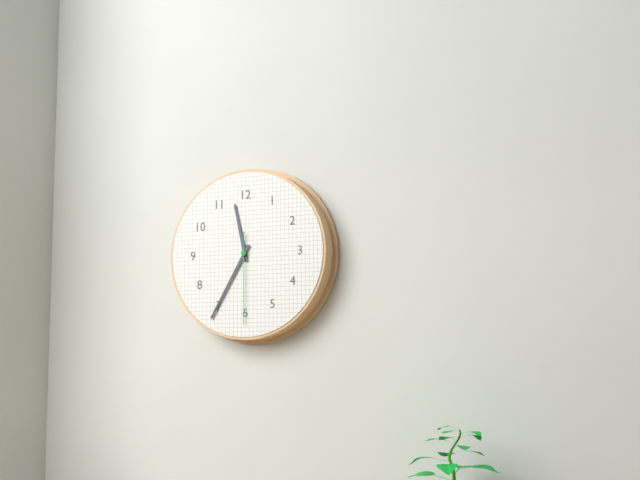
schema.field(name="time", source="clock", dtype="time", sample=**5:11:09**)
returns **11:35:30**
